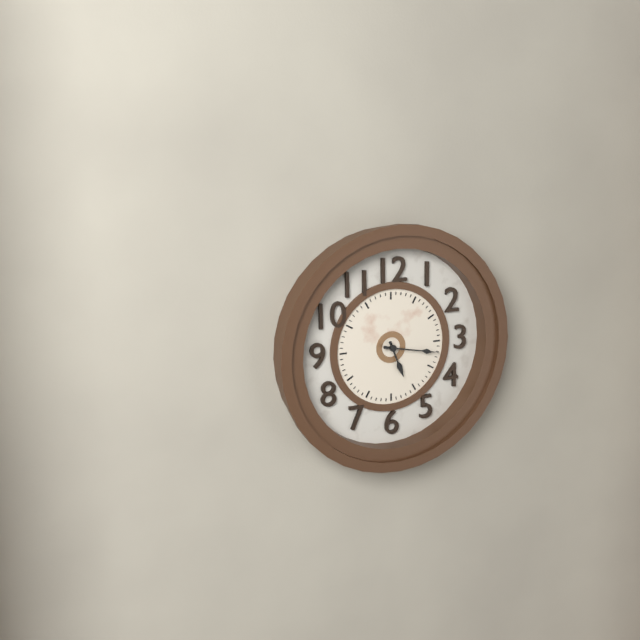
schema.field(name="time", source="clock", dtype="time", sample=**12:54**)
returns **5:17**
